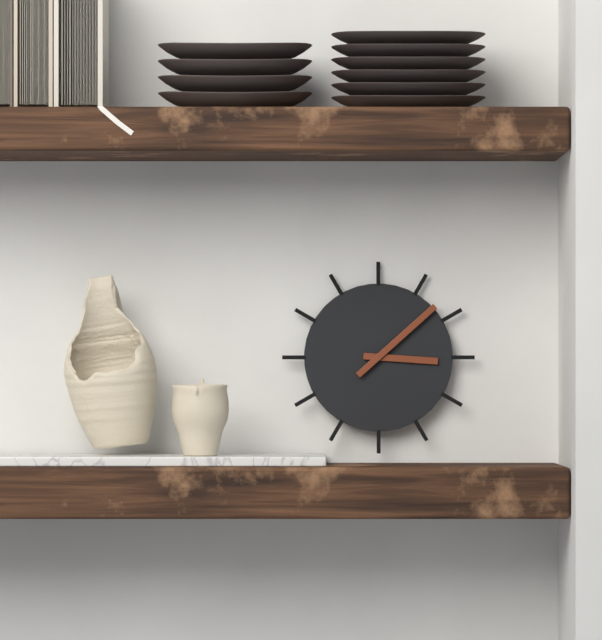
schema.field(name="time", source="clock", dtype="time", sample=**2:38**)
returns **3:08**
